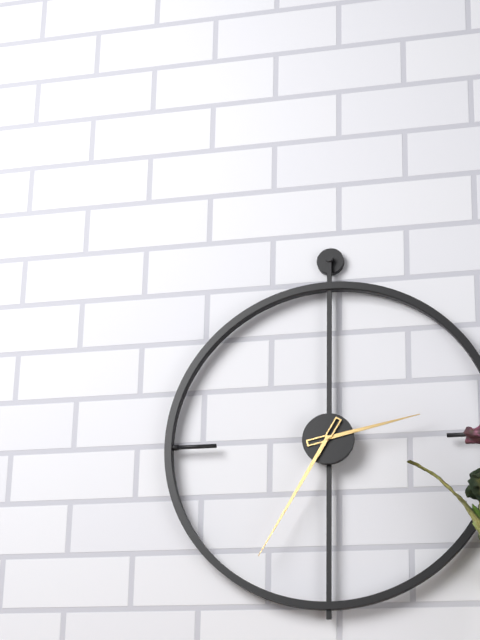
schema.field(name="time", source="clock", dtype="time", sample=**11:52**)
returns **2:35**
